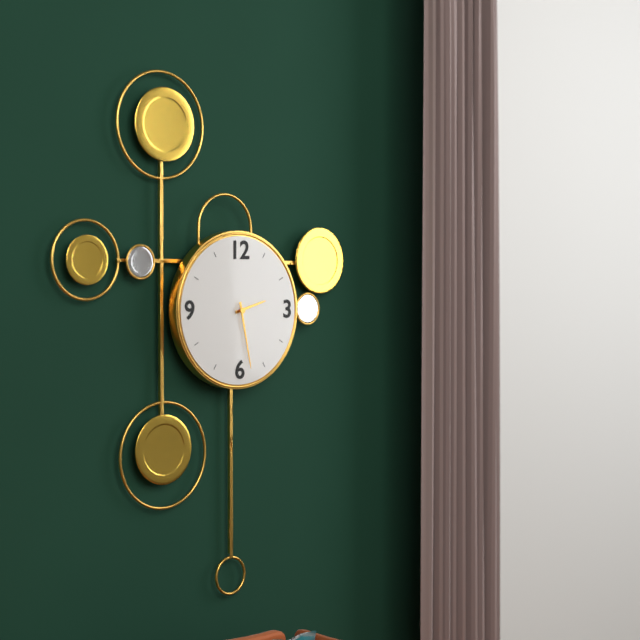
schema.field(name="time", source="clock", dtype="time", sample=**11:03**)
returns **2:28**
